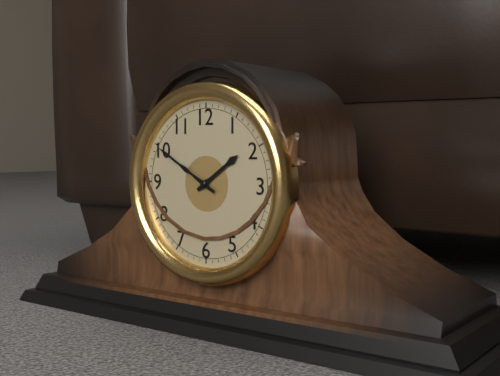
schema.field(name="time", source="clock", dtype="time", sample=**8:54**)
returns **1:50**
